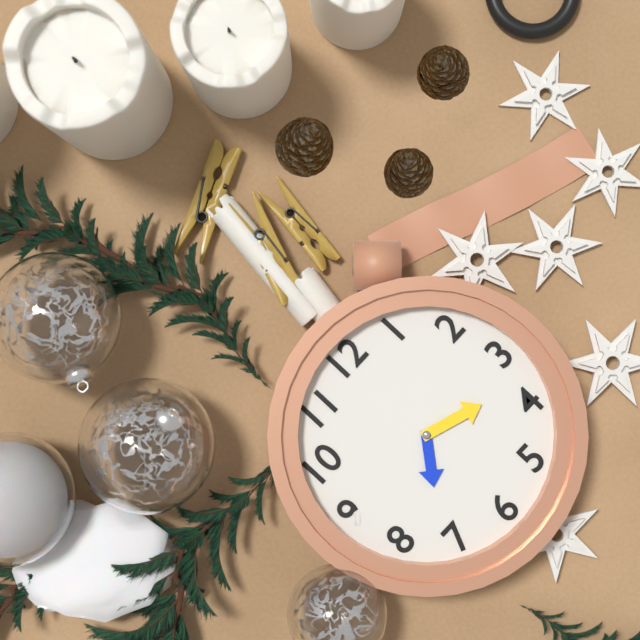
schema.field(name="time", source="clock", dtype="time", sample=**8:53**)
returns **7:18**
